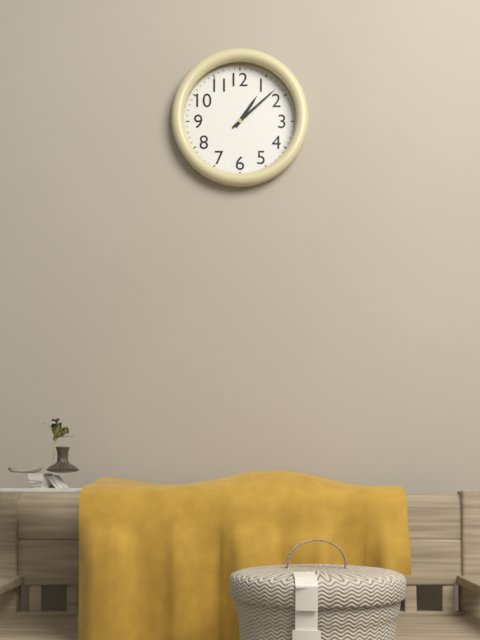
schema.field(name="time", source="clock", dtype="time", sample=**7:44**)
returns **1:08**
